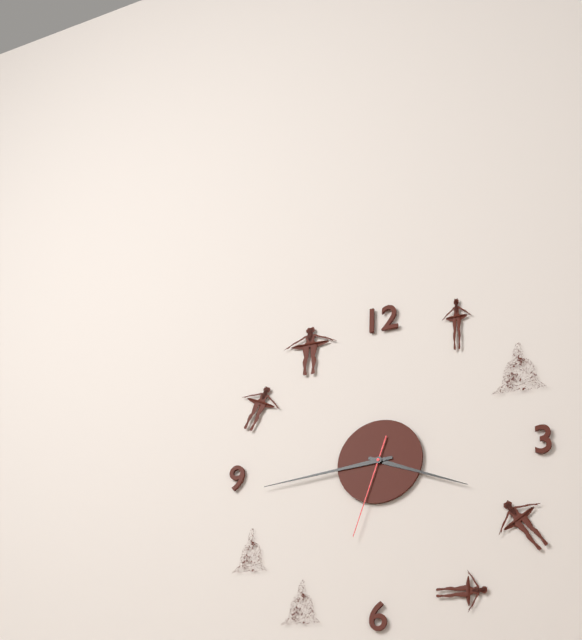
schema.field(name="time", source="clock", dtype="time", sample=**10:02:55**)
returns **3:44:33**
